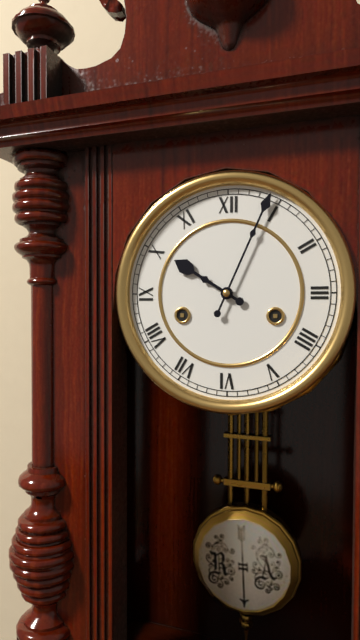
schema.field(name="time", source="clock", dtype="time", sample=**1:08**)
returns **10:04**
